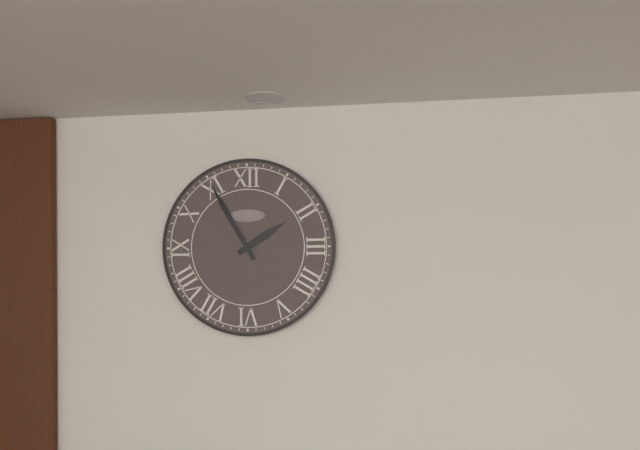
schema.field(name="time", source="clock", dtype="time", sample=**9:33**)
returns **1:55**
